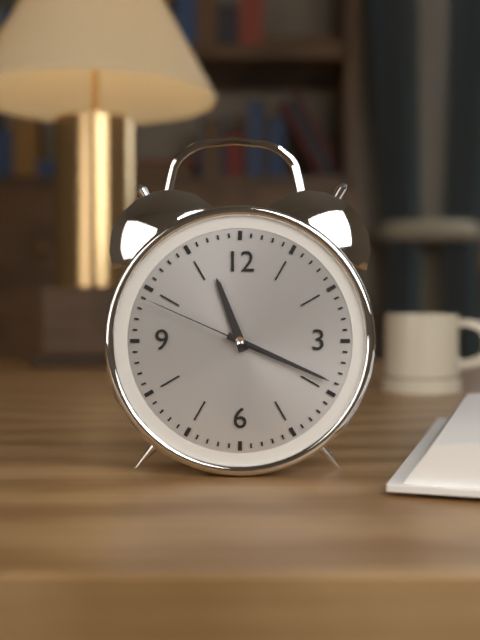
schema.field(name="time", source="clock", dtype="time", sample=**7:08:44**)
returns **11:19:49**
